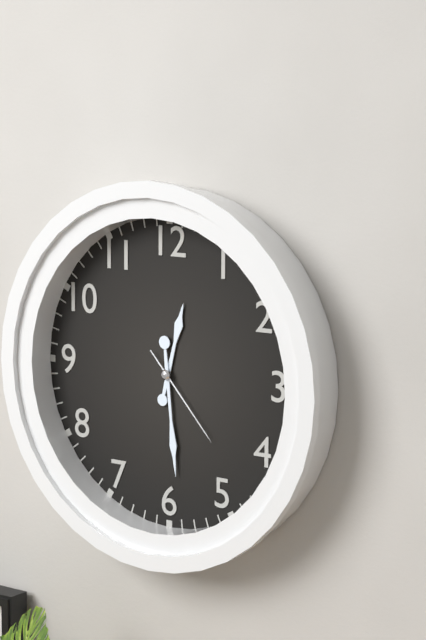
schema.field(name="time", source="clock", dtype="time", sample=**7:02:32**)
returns **12:29:23**
